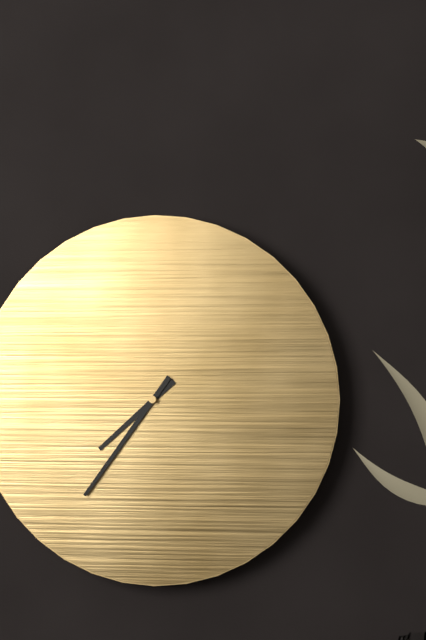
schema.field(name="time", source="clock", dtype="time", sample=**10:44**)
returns **7:36**
